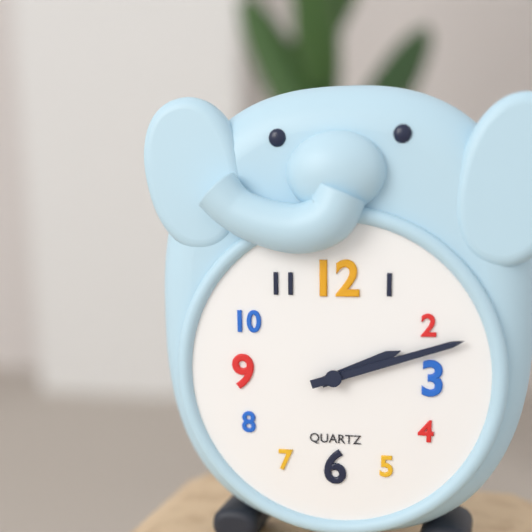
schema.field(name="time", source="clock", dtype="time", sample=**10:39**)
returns **2:12**
